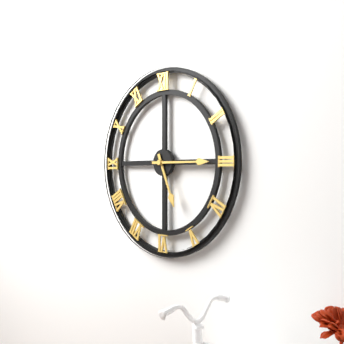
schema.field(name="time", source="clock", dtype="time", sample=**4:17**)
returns **5:15**
